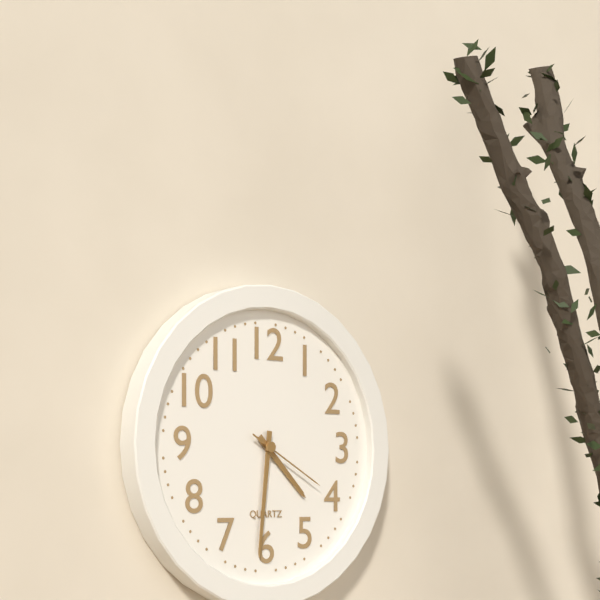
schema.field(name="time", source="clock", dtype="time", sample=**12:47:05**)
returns **4:31:20**
